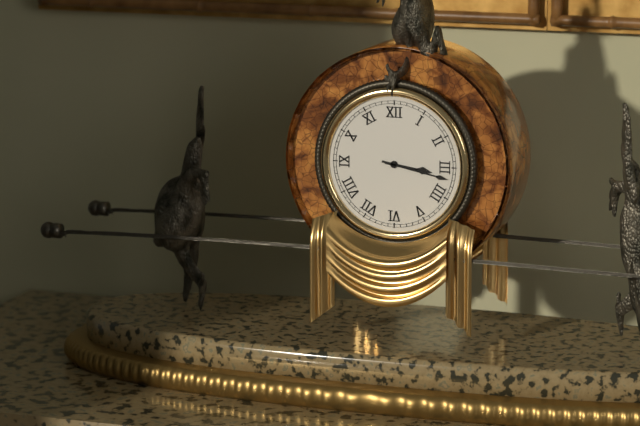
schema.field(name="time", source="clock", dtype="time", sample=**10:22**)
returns **3:17**
